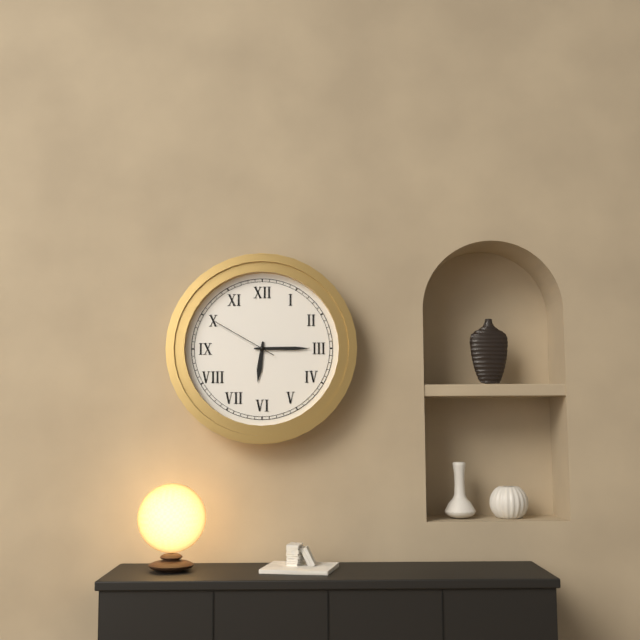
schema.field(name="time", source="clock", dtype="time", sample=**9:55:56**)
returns **6:15:50**
